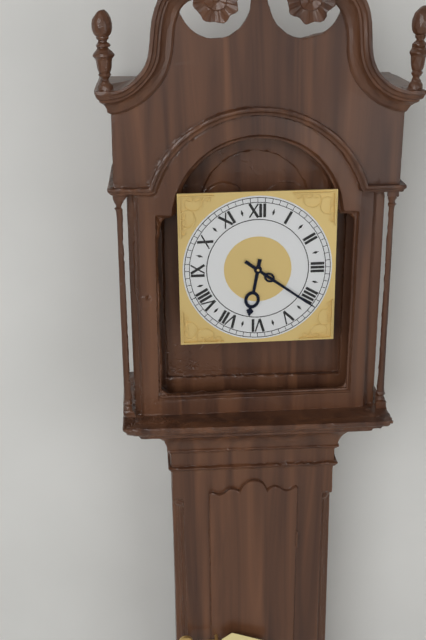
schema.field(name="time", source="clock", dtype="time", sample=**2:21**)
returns **6:21**
